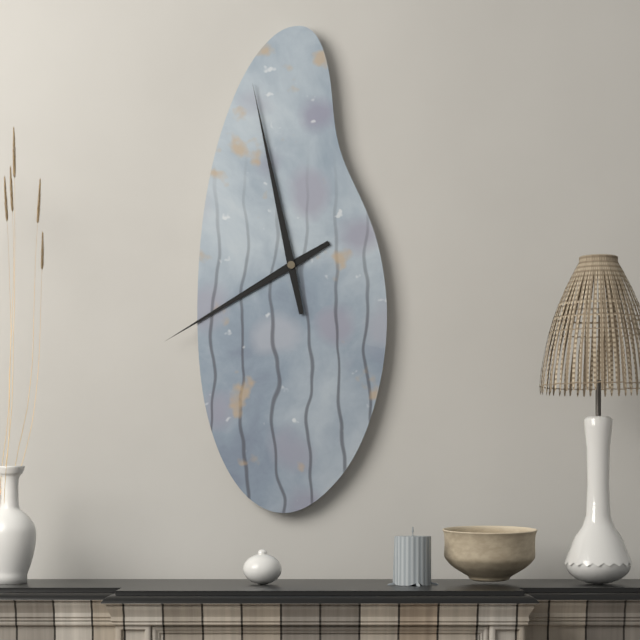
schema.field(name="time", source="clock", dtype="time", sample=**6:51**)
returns **7:58**
